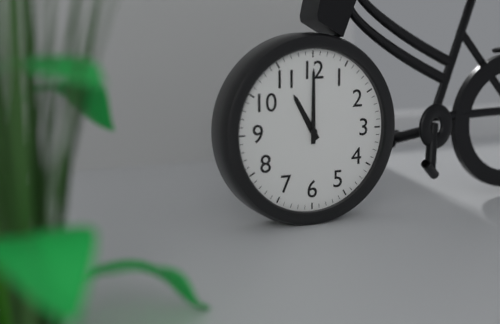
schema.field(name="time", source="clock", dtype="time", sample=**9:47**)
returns **11:00**
